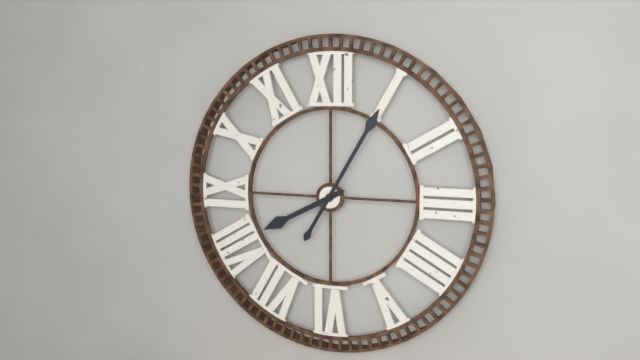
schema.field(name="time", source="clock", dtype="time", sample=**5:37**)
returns **8:05**
